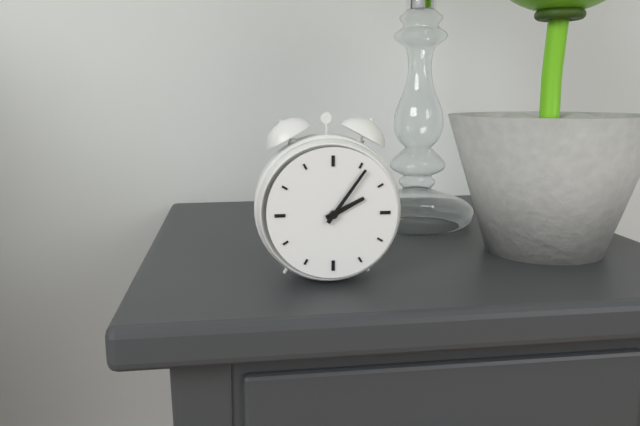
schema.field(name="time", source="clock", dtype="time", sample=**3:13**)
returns **2:06**
